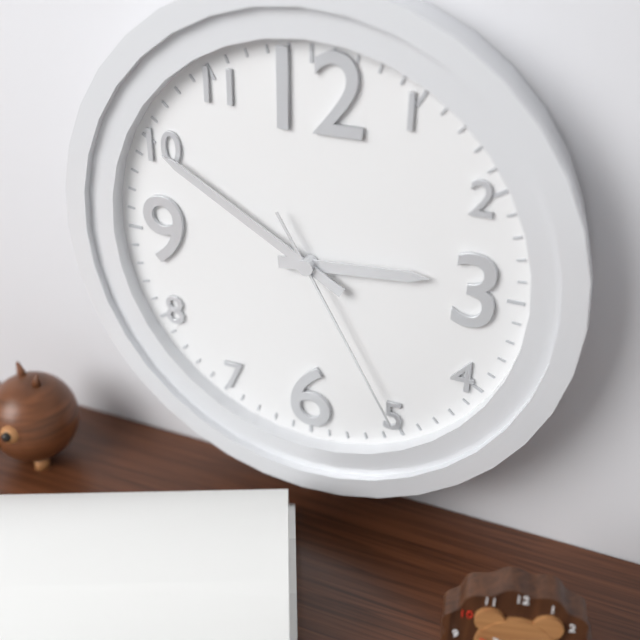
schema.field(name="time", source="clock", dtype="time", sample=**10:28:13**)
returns **2:50:25**
